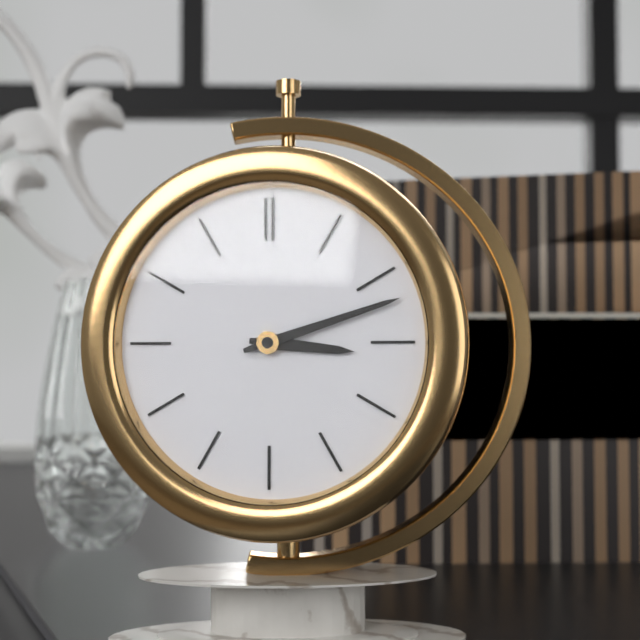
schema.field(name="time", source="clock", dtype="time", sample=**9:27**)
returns **3:12**
